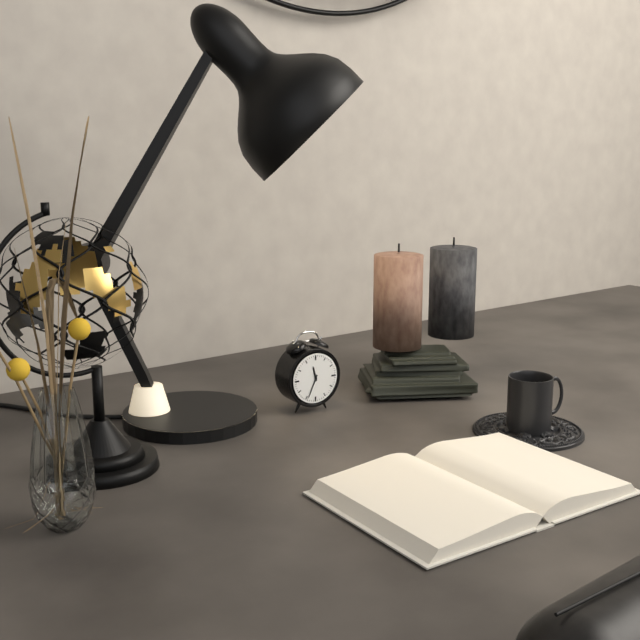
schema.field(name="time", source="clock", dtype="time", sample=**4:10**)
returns **11:34**
